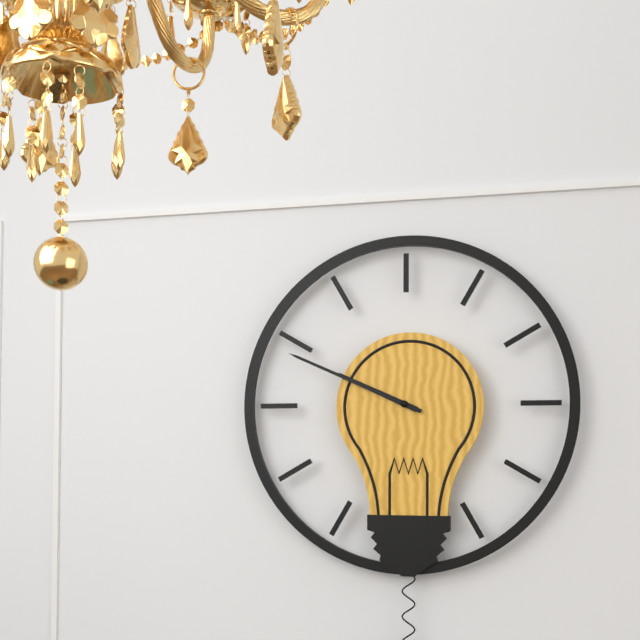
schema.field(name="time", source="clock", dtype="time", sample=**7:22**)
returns **9:49**
